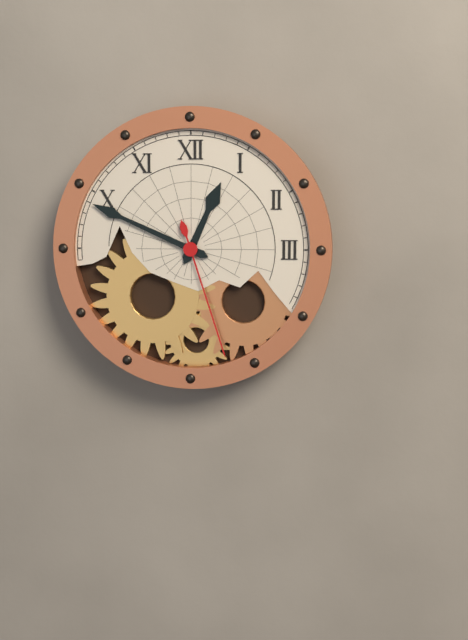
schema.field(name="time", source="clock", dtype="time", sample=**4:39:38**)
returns **12:49:27**
